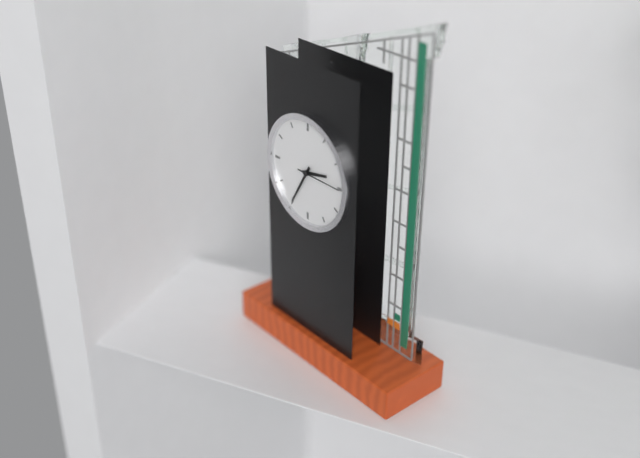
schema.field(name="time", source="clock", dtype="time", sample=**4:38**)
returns **2:35**
